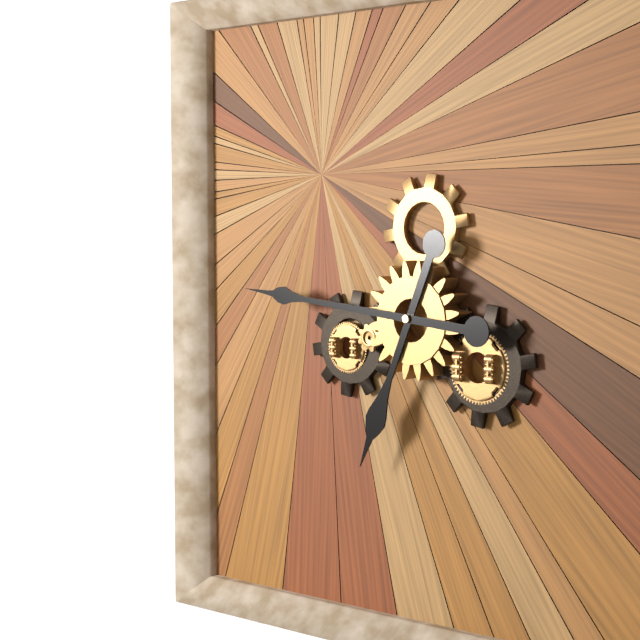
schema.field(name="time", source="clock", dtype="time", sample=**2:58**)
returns **6:46**
